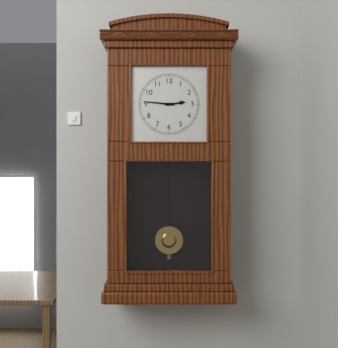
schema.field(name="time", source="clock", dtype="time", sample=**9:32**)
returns **2:46**
